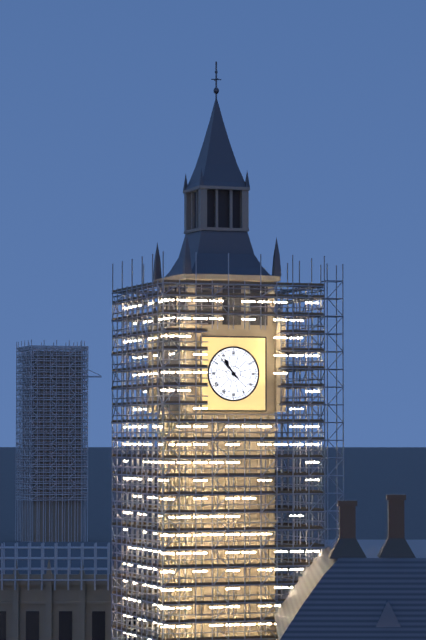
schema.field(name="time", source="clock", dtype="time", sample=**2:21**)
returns **10:53**
